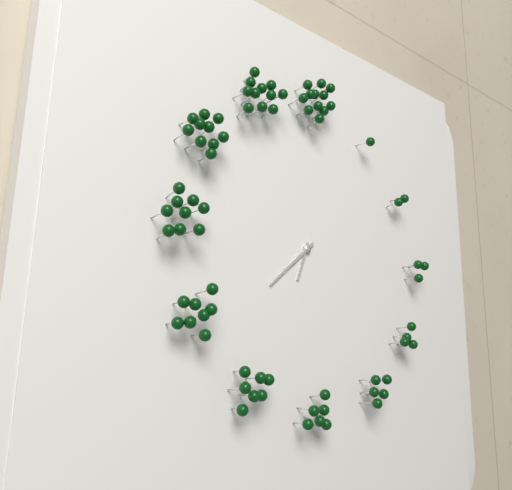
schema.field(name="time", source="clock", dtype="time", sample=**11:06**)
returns **6:38**
